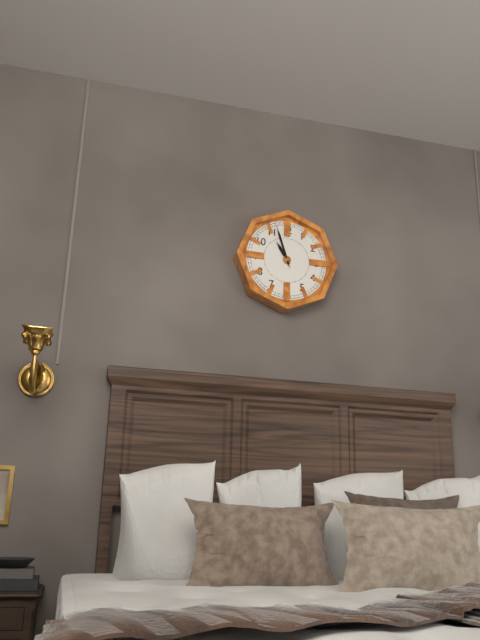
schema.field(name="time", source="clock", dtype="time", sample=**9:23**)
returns **10:57**
